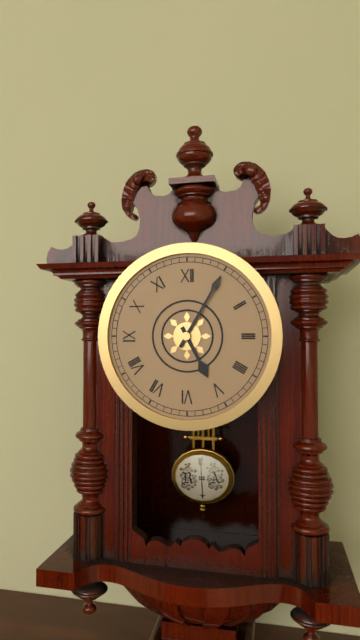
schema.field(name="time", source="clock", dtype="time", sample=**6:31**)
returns **5:05**
